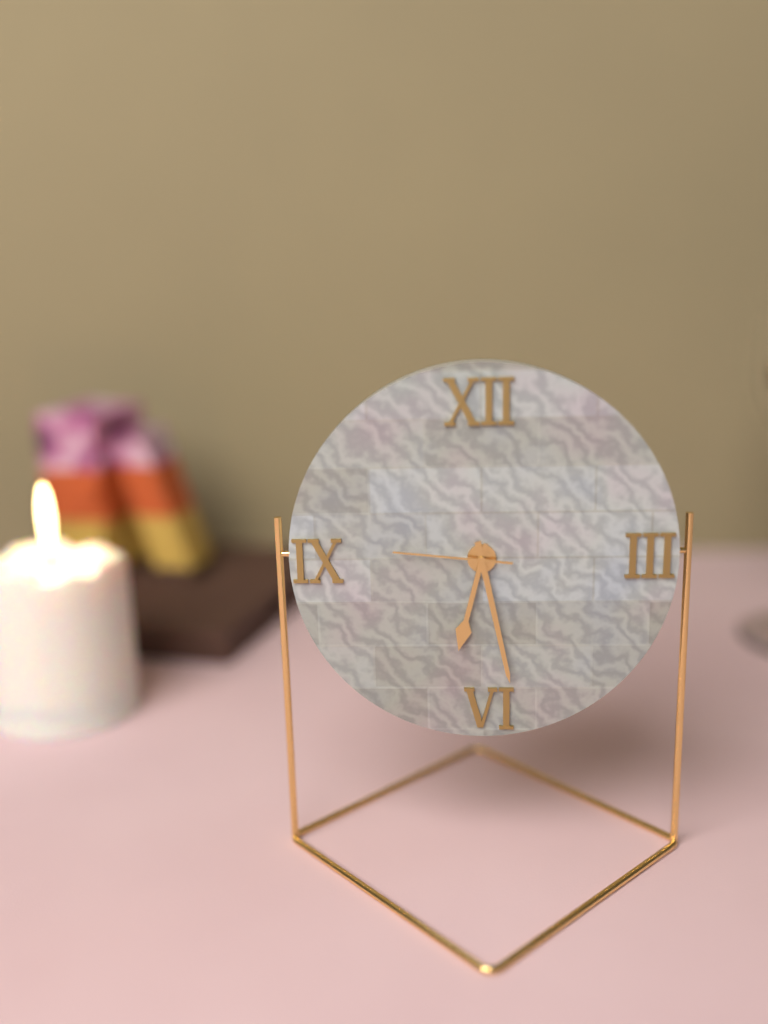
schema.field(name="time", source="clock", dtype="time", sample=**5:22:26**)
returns **6:28:46**
